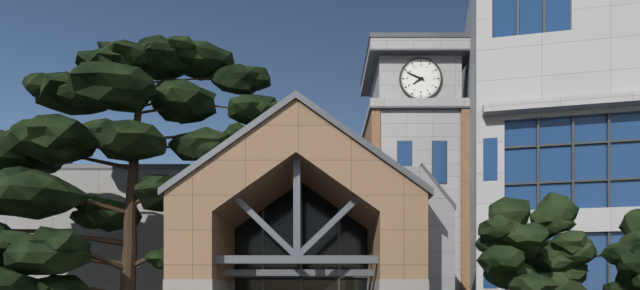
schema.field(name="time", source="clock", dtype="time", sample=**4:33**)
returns **7:49**
